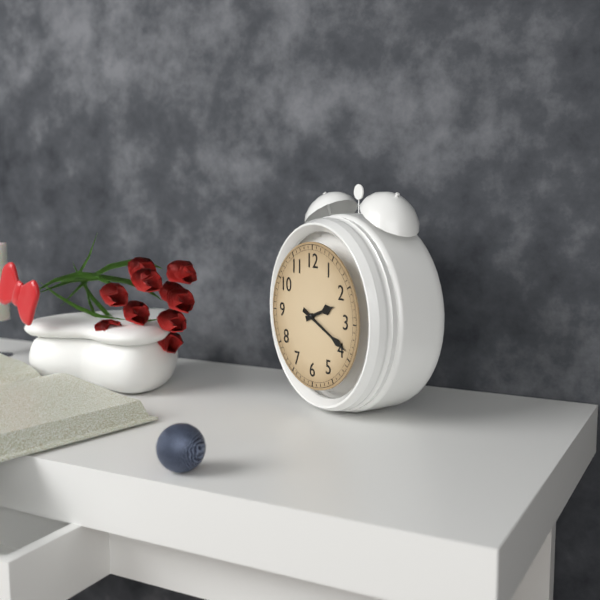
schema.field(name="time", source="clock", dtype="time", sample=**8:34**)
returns **2:19**
